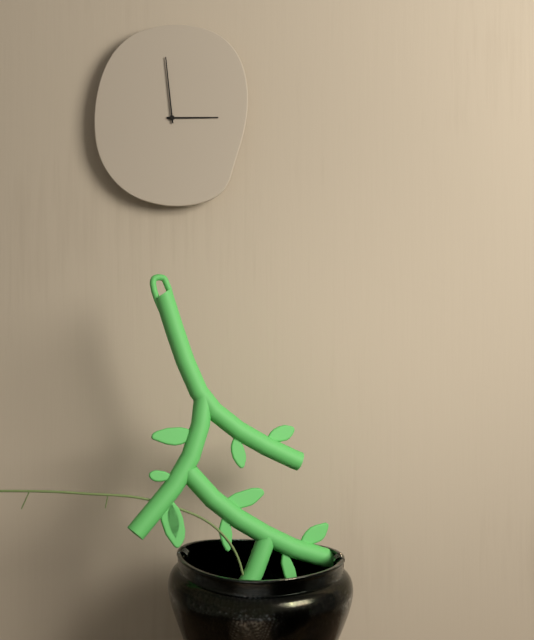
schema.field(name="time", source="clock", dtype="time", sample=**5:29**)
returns **2:59**
